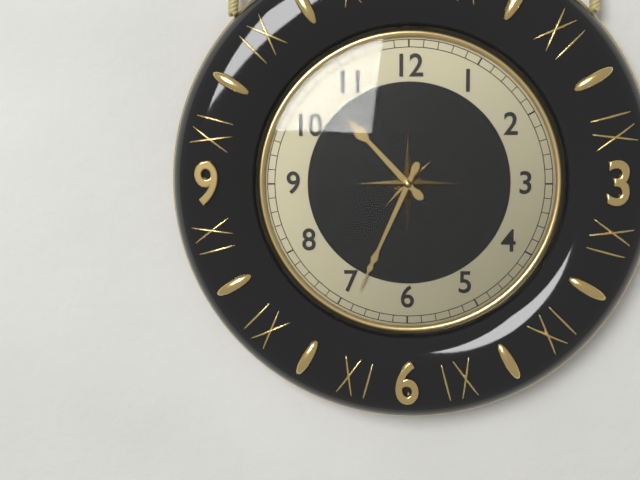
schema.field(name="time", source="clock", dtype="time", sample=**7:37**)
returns **10:34**
